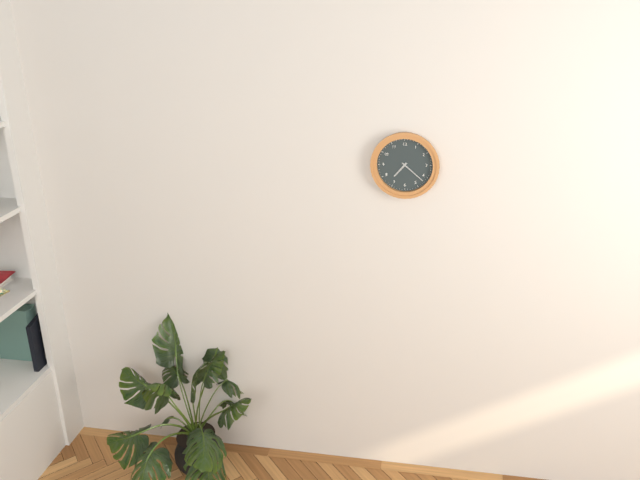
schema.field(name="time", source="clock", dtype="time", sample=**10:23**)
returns **7:22**
